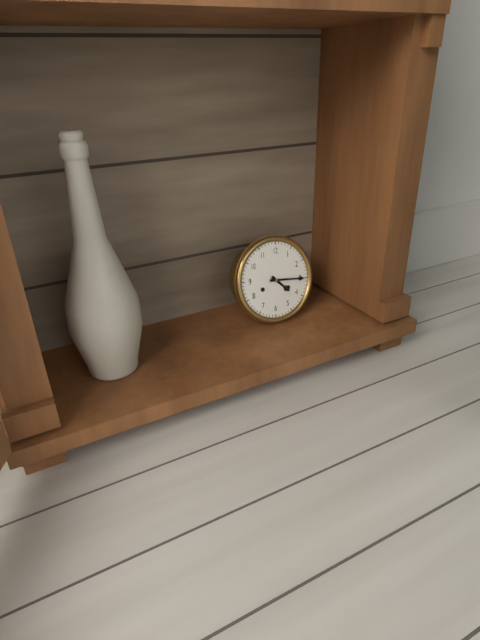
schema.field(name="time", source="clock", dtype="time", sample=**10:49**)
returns **4:15**
